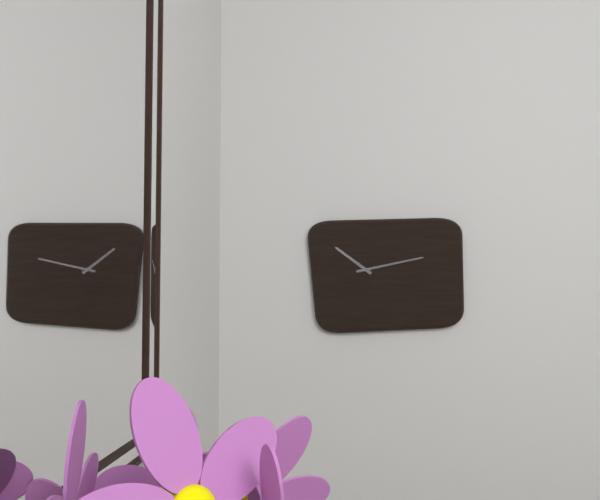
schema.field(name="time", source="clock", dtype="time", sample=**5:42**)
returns **10:13**
